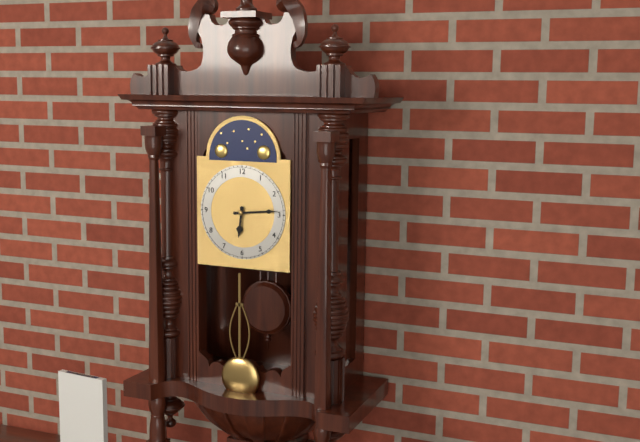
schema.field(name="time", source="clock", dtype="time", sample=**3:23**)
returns **6:14**
